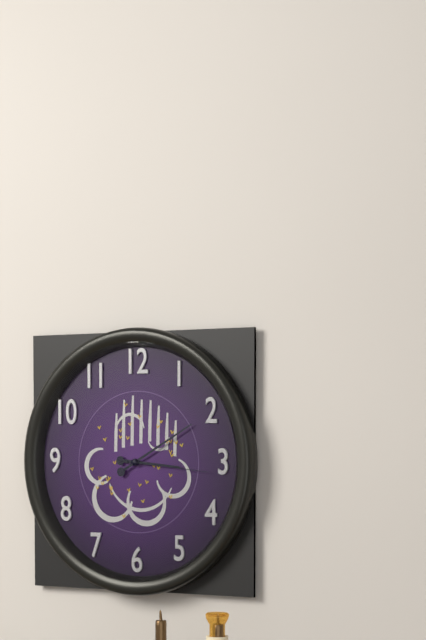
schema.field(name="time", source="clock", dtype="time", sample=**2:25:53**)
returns **3:10:16**
